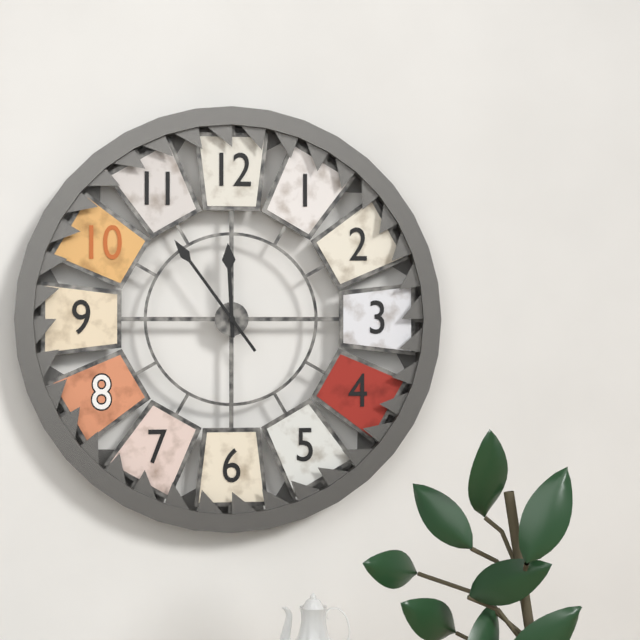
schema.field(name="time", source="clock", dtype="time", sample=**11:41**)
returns **11:54**
